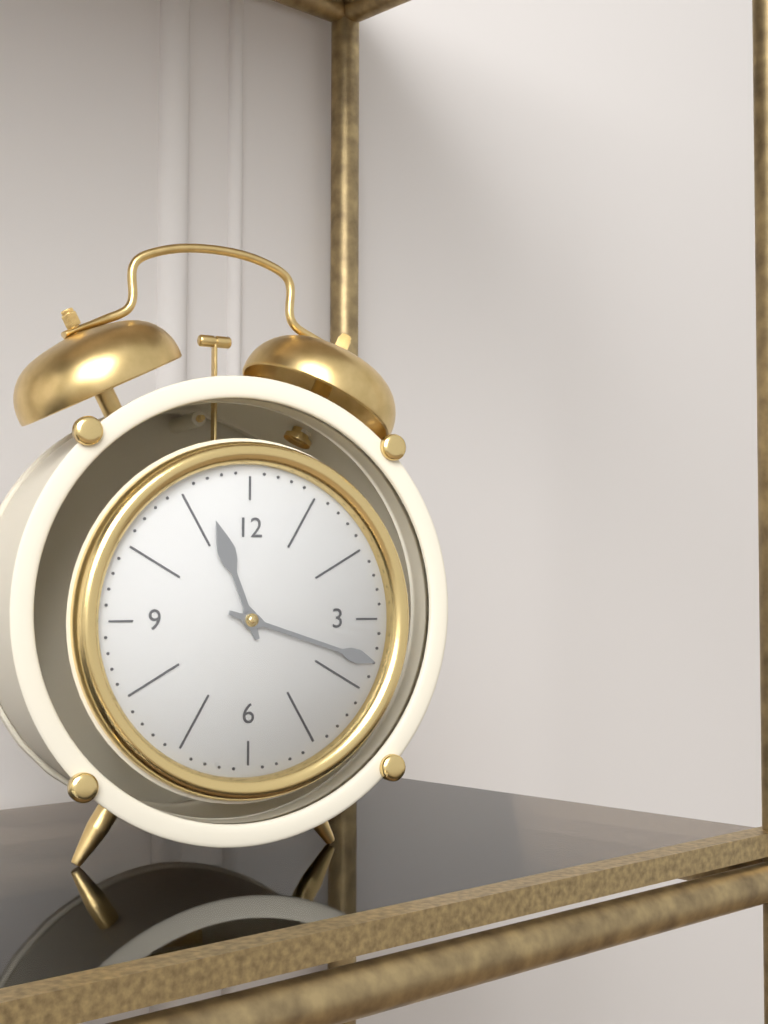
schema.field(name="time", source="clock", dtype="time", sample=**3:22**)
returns **11:18**
